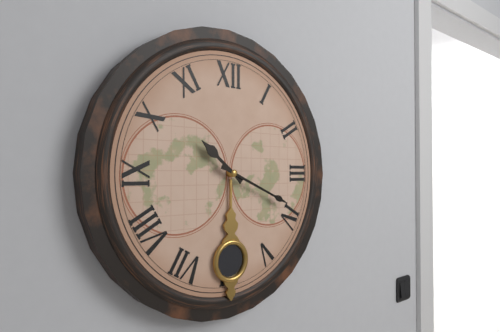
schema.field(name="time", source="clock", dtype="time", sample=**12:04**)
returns **10:19**
